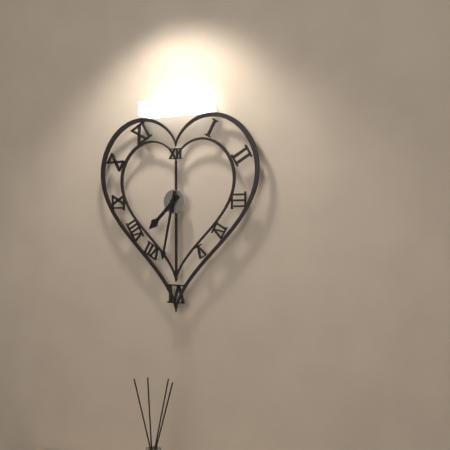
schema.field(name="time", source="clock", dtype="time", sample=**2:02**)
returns **7:32**
